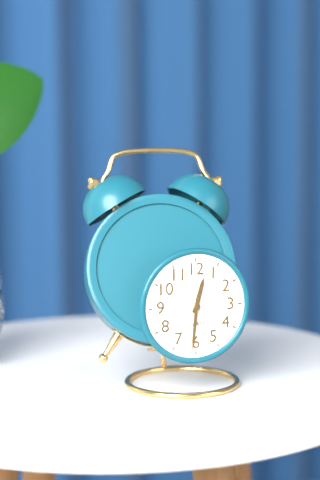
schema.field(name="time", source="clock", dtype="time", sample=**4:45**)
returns **12:31**
